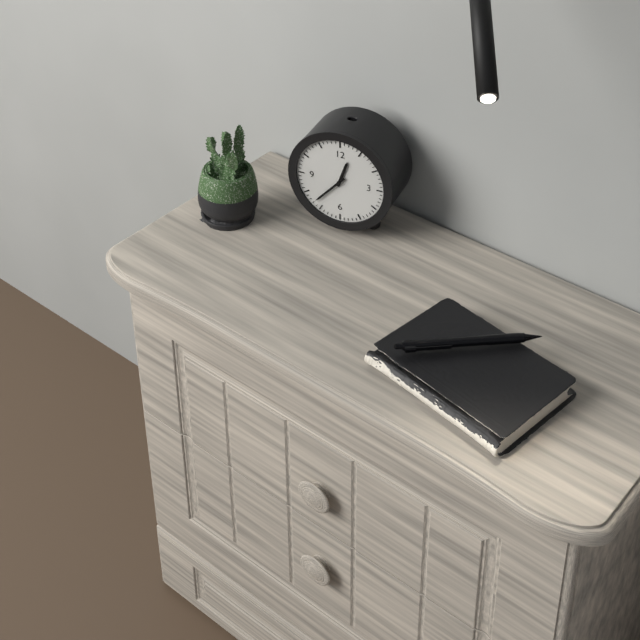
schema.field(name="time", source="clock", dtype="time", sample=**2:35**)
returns **12:37**
